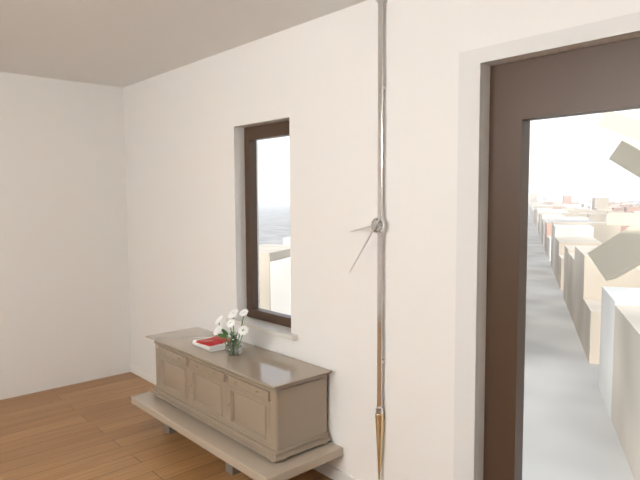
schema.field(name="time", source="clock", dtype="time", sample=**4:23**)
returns **8:36**
